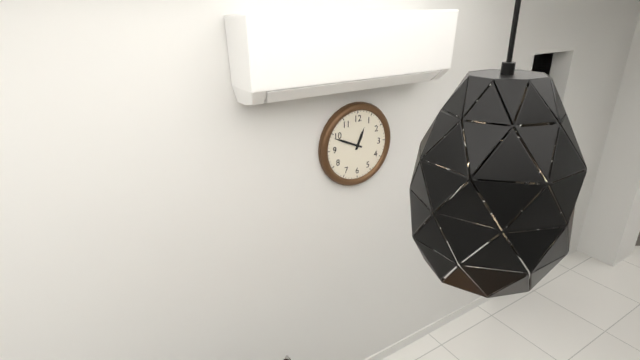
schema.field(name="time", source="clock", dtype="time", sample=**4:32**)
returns **12:49**
